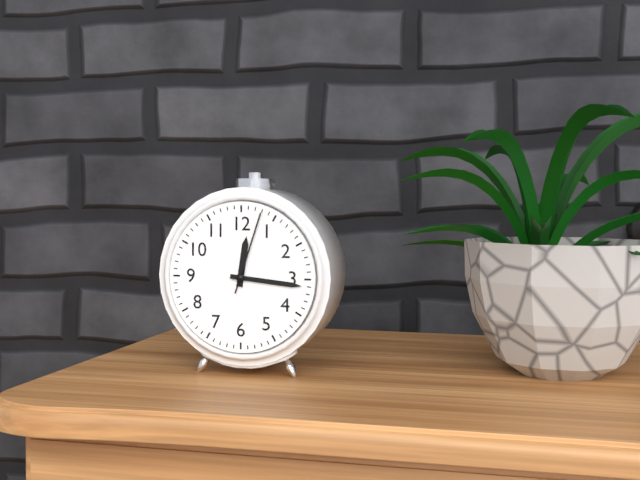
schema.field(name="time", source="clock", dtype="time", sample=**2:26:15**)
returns **12:16:03**
